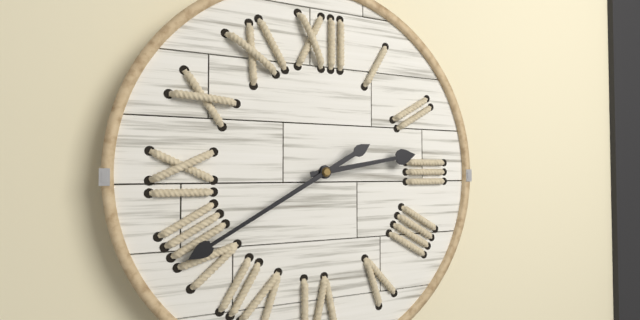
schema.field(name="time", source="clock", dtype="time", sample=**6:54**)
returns **2:40**
